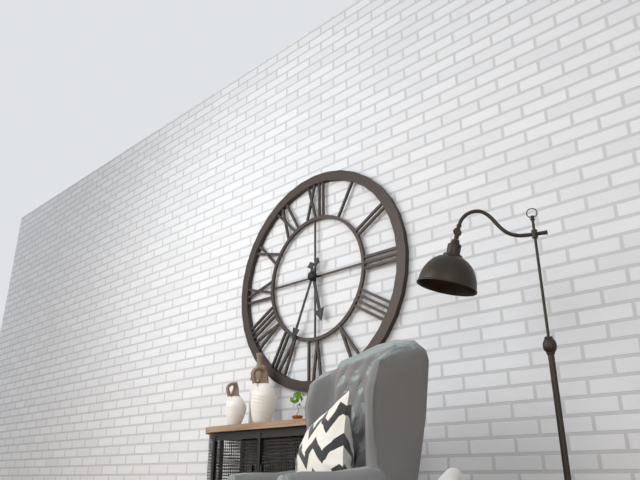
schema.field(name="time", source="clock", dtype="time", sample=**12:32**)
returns **5:34**
